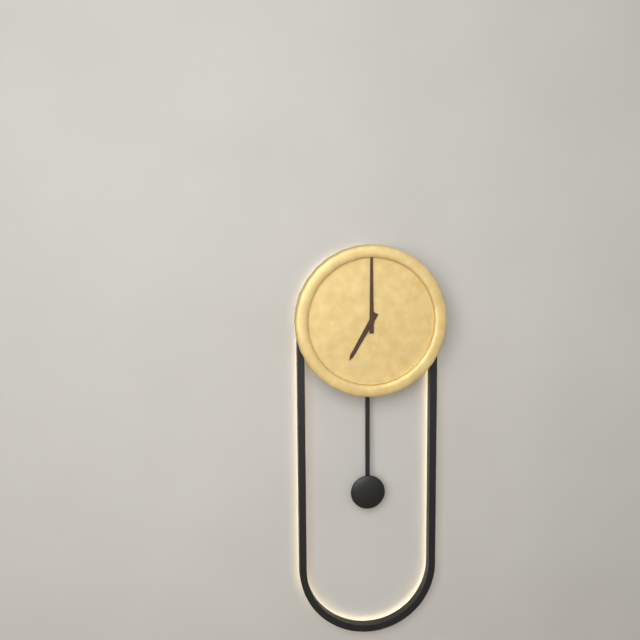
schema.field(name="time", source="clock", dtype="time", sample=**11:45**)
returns **7:00**
